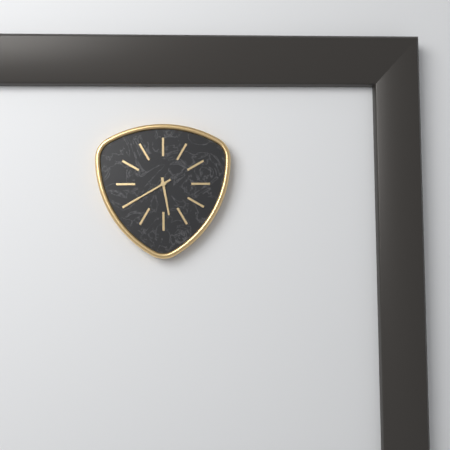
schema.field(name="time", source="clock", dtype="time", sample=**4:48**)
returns **5:40**
